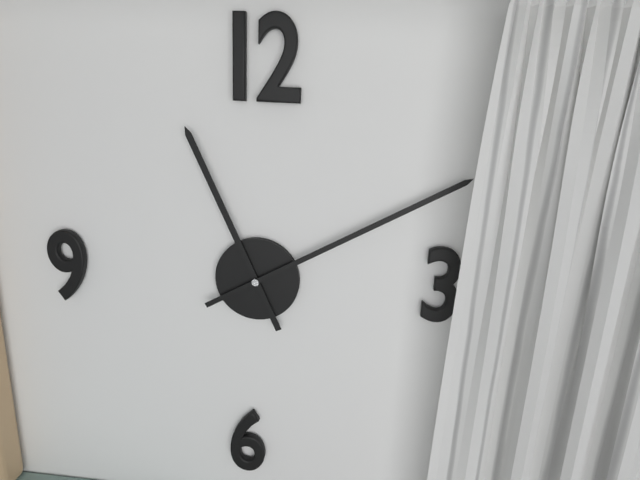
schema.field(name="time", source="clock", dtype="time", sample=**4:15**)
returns **11:10**
